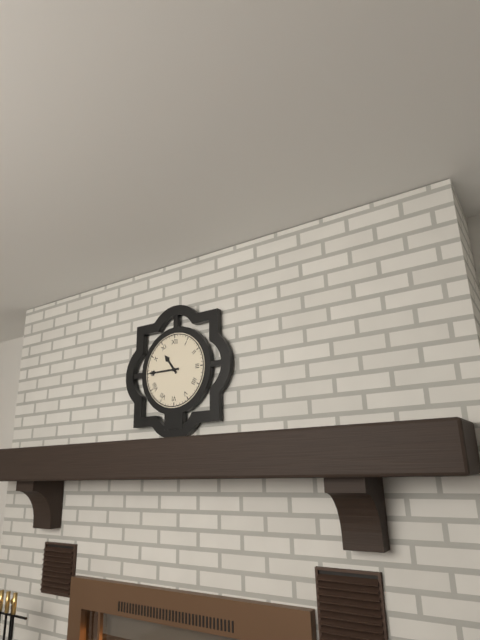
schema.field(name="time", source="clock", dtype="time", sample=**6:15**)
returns **10:45**
